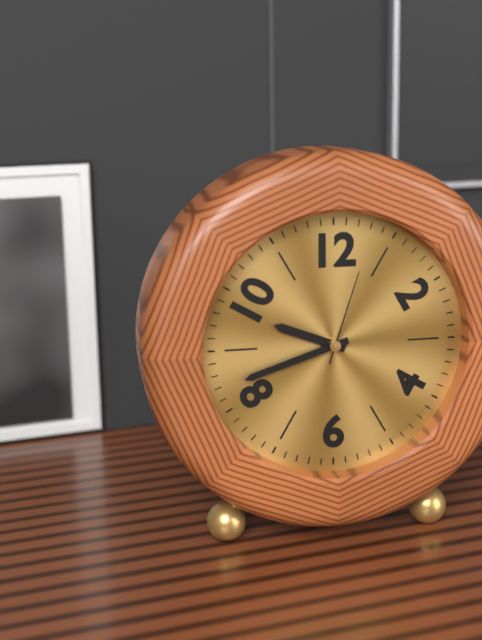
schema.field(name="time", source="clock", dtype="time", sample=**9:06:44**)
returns **9:42:03**
